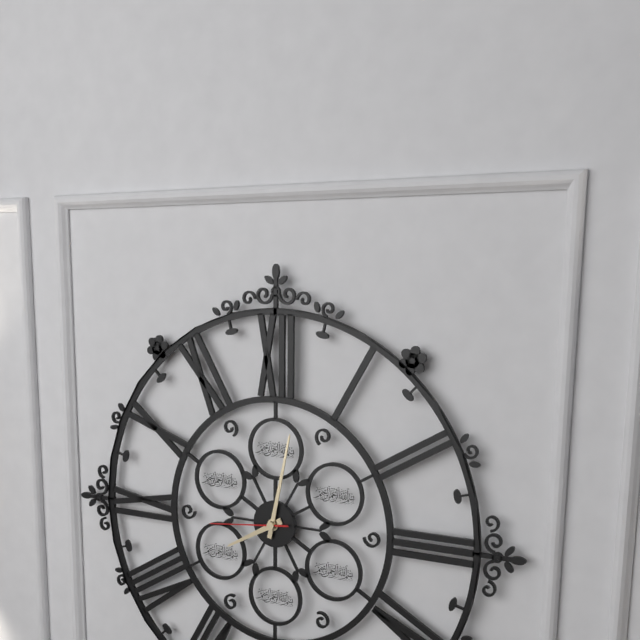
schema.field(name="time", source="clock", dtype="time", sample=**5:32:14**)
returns **8:02:44**
